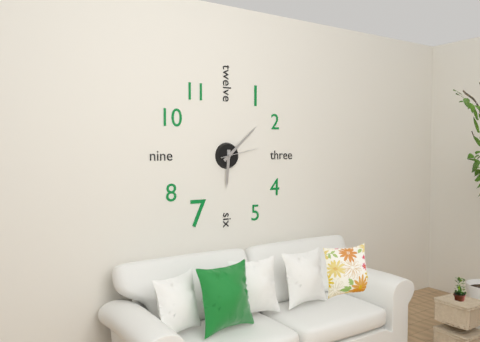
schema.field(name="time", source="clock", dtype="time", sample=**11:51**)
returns **6:08**
